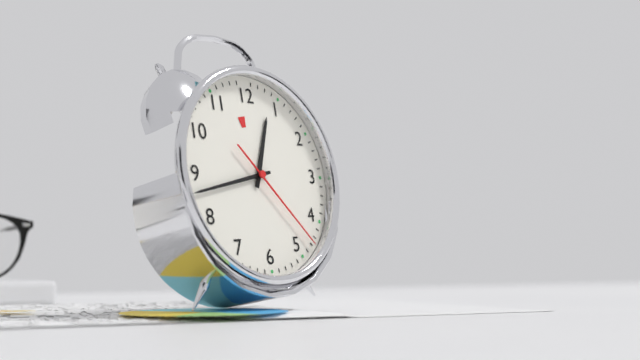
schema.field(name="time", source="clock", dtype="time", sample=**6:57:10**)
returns **12:43:23**
